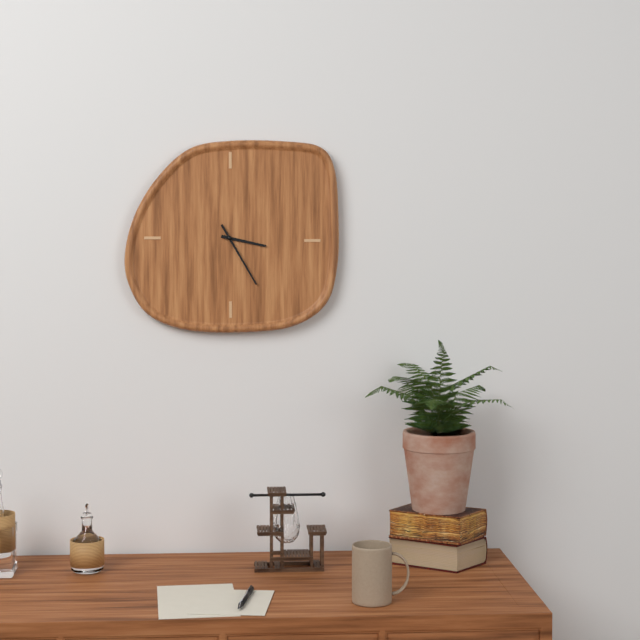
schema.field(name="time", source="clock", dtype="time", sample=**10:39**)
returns **3:25**
